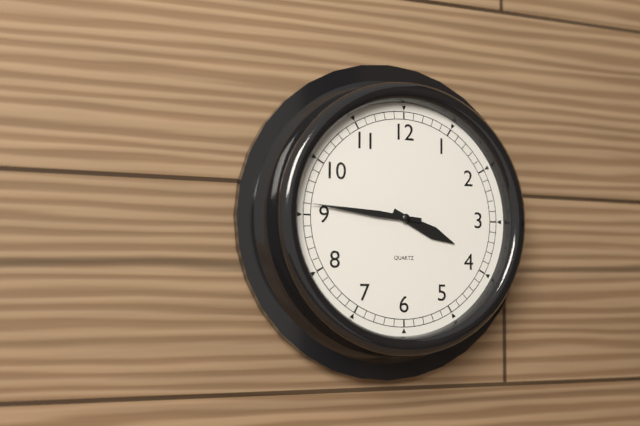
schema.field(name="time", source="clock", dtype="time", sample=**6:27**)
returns **3:46**
